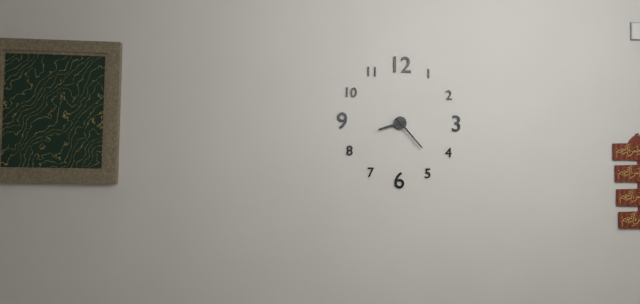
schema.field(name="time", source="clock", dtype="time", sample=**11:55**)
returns **8:23**
